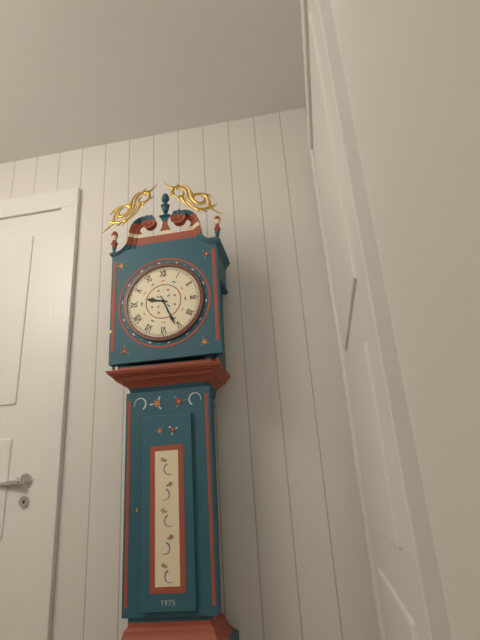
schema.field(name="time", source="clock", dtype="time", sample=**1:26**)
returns **9:26**
